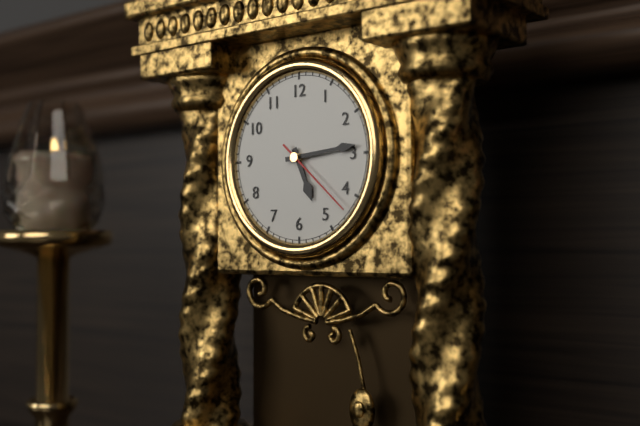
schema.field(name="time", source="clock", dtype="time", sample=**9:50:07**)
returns **5:14:22**
